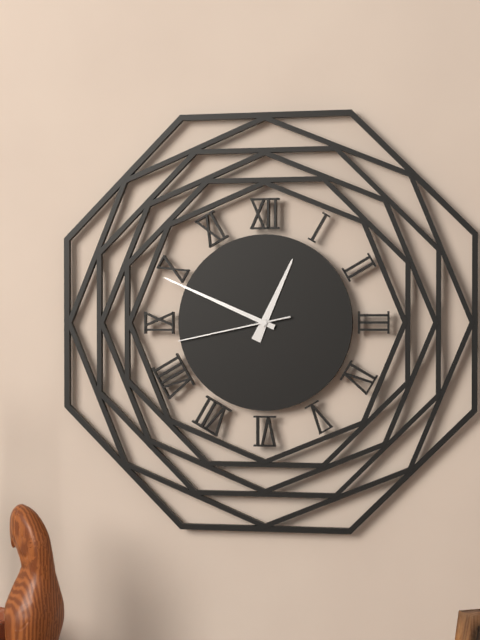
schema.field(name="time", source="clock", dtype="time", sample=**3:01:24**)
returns **12:49:43**
